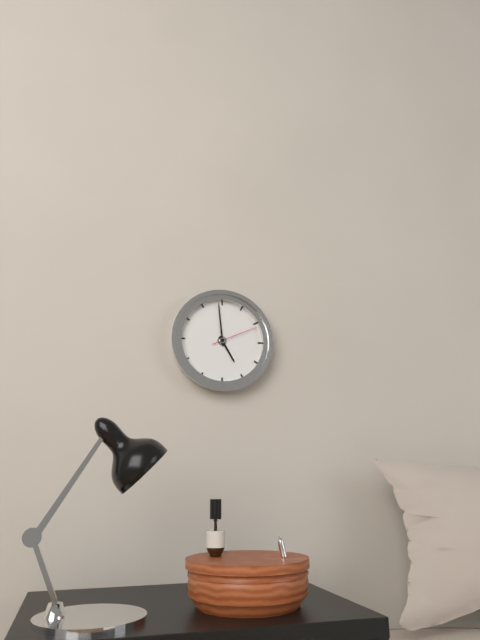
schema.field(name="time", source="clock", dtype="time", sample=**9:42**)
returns **4:59**
